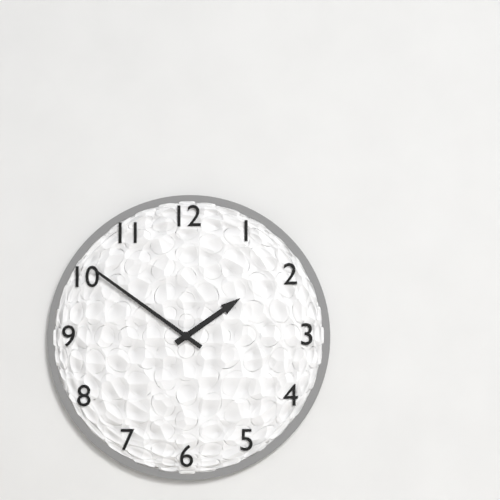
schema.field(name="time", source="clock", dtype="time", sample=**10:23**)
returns **1:51**
